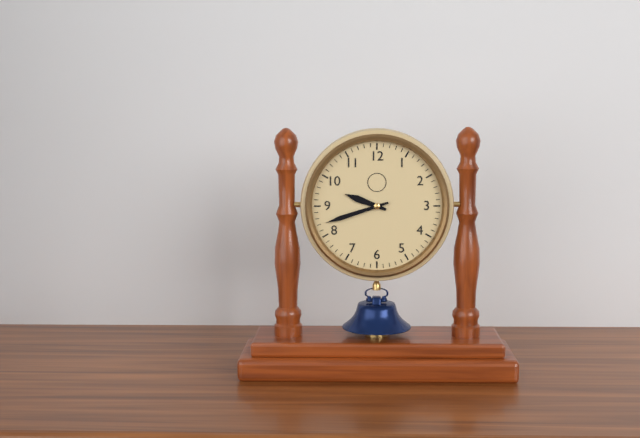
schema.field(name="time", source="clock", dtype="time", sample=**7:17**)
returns **9:42**
